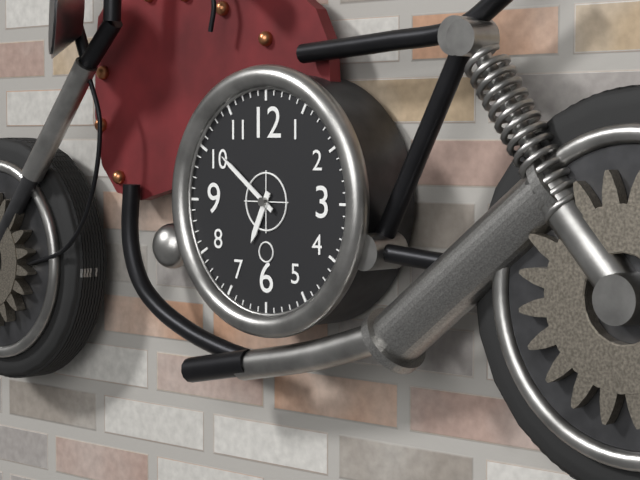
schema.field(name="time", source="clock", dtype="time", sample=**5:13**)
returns **6:51**
